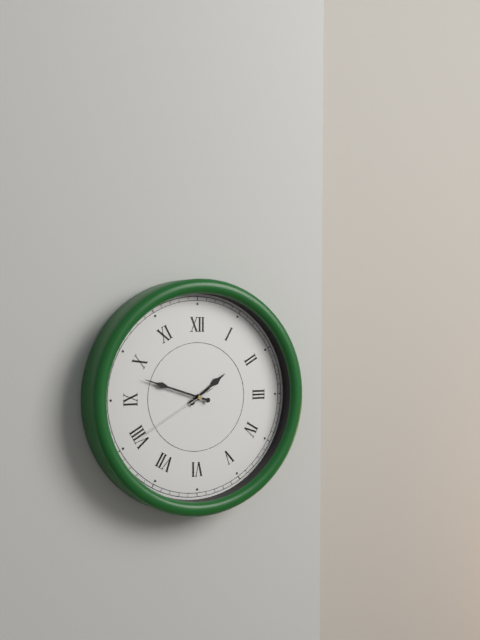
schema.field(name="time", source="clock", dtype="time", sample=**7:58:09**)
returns **1:48:40**
